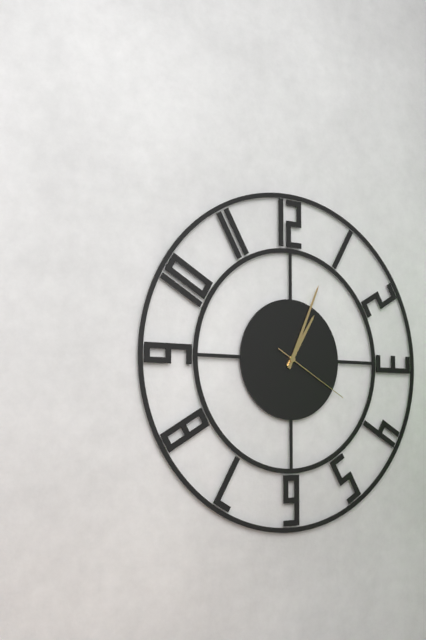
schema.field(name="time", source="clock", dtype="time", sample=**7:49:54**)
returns **1:04:20**
